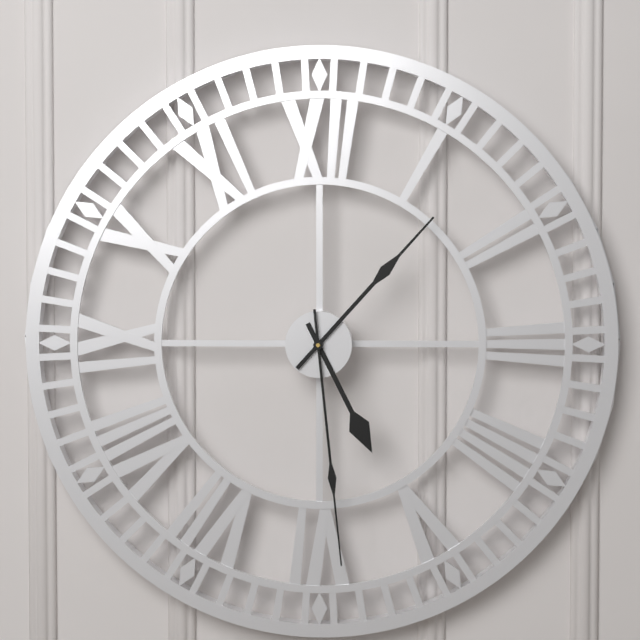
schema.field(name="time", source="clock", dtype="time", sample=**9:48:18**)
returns **5:07:29**
